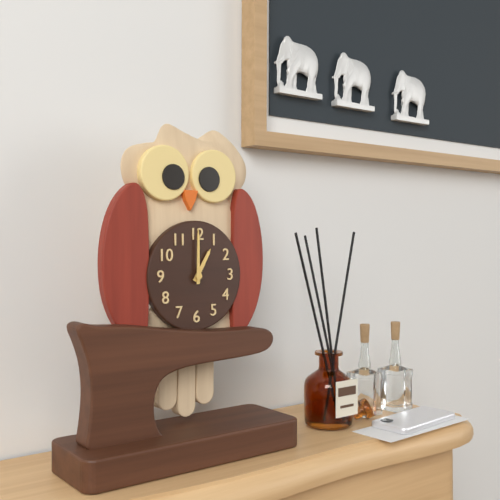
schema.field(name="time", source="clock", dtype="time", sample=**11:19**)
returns **1:00**
